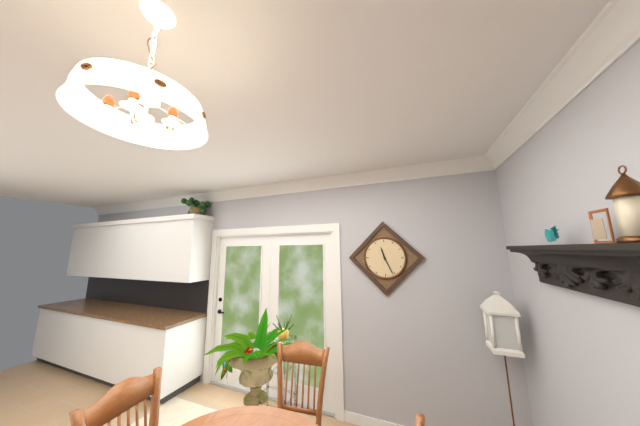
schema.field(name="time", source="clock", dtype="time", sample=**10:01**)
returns **11:26**
